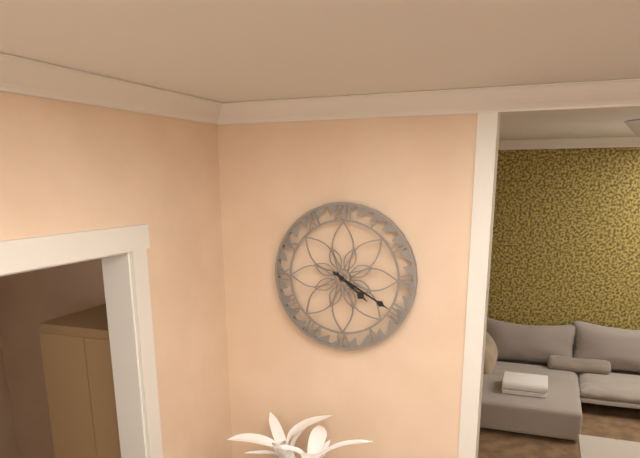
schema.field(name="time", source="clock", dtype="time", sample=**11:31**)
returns **4:20**
